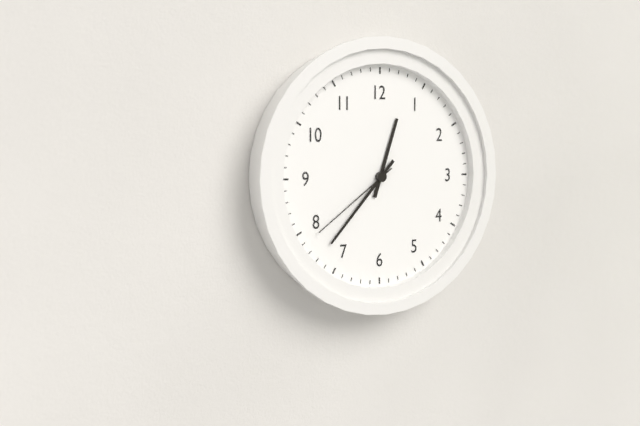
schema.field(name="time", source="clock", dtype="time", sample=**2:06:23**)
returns **12:37:39**
